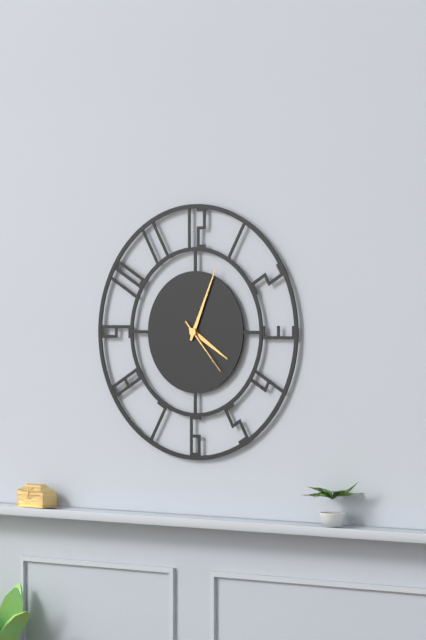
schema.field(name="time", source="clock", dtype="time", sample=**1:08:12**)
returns **4:04:23**
